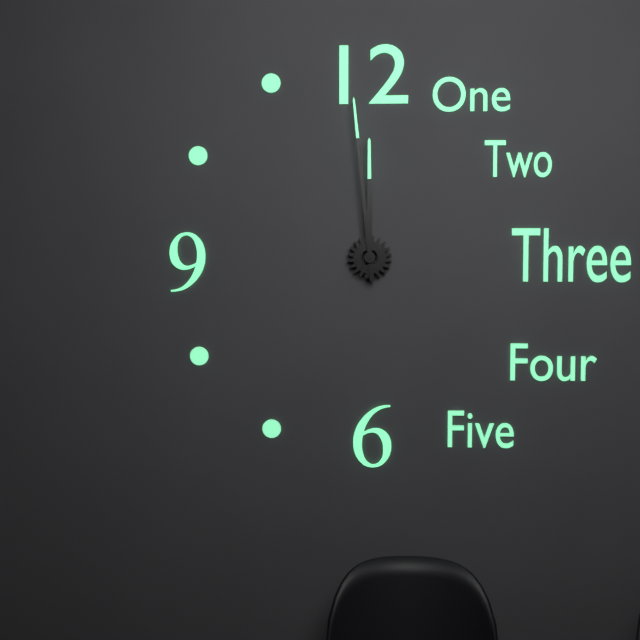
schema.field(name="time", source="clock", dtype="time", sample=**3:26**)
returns **11:59**
